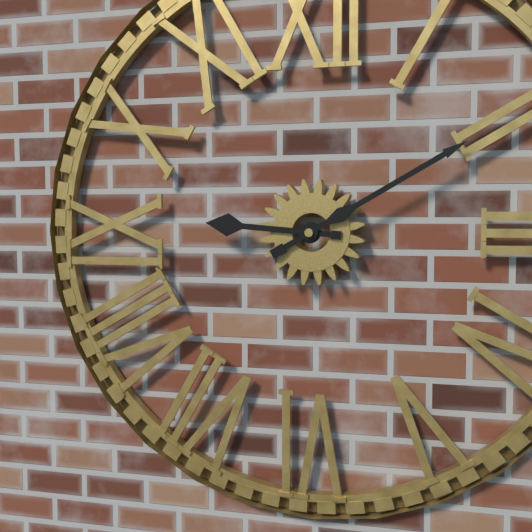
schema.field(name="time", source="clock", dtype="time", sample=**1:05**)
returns **9:10**
